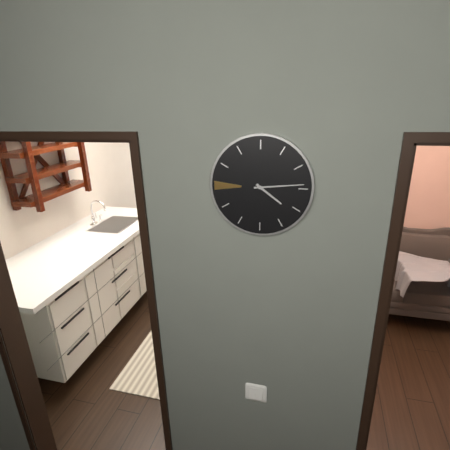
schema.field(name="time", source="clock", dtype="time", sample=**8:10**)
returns **4:14**
